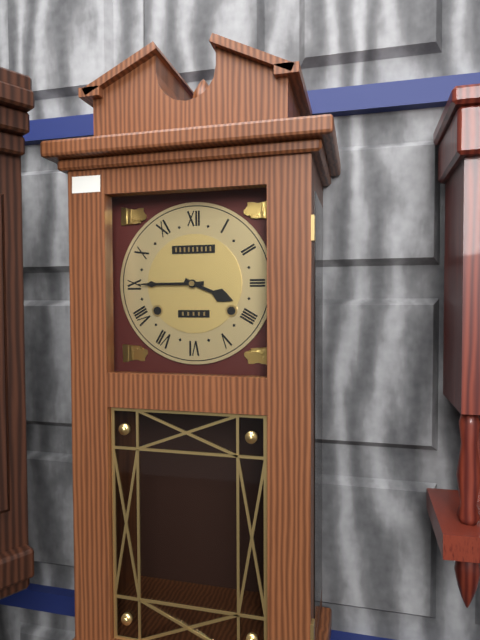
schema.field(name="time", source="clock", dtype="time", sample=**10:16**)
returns **3:45**
